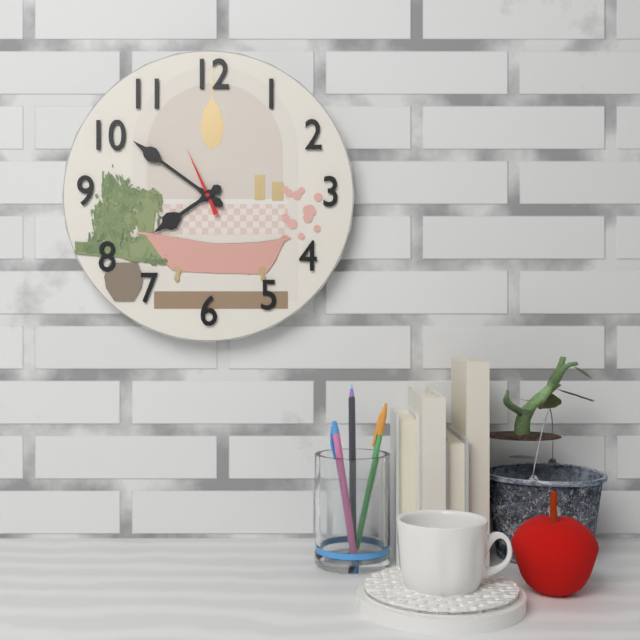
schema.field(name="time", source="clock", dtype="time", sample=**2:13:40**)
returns **7:51:56**
